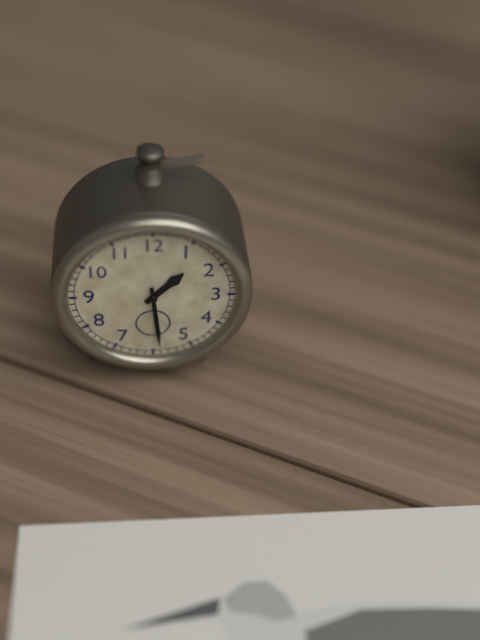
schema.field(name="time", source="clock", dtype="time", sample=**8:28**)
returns **1:29**
